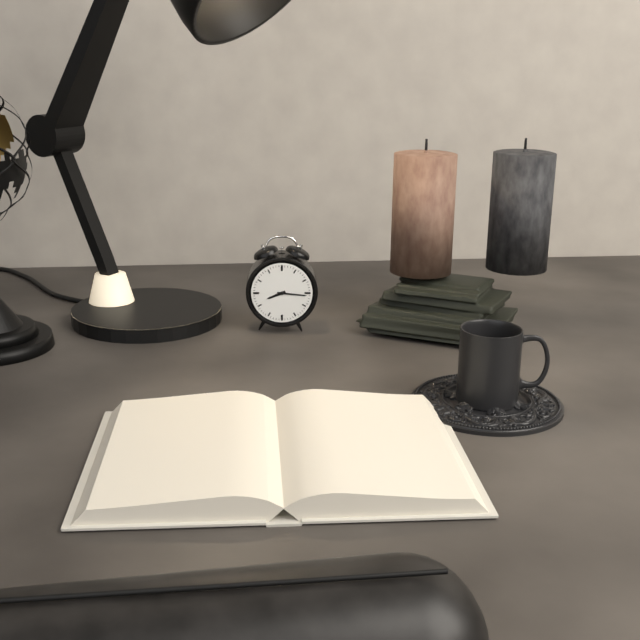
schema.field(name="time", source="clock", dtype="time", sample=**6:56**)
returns **8:16**
